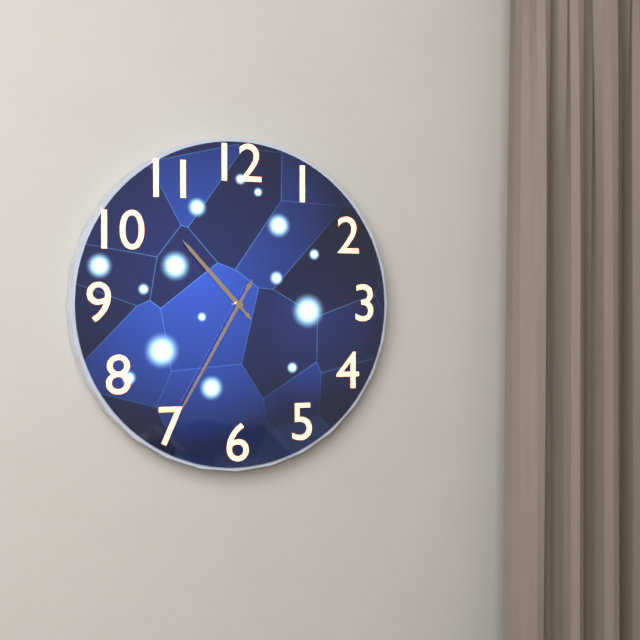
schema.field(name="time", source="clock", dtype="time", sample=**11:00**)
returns **10:35**
